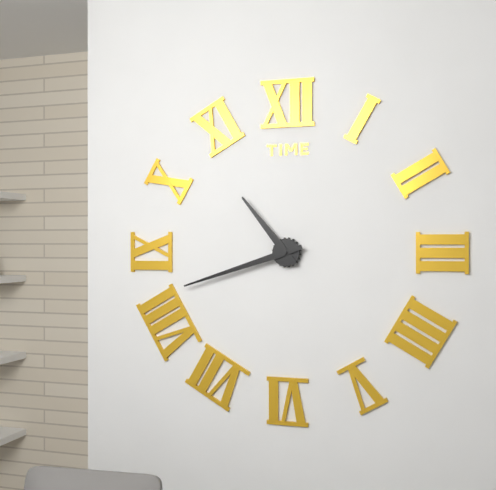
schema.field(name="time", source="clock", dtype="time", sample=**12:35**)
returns **10:42**
